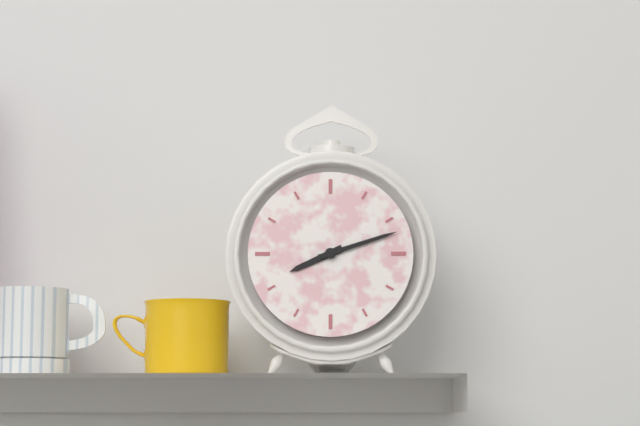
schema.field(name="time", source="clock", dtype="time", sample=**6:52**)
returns **8:12**
